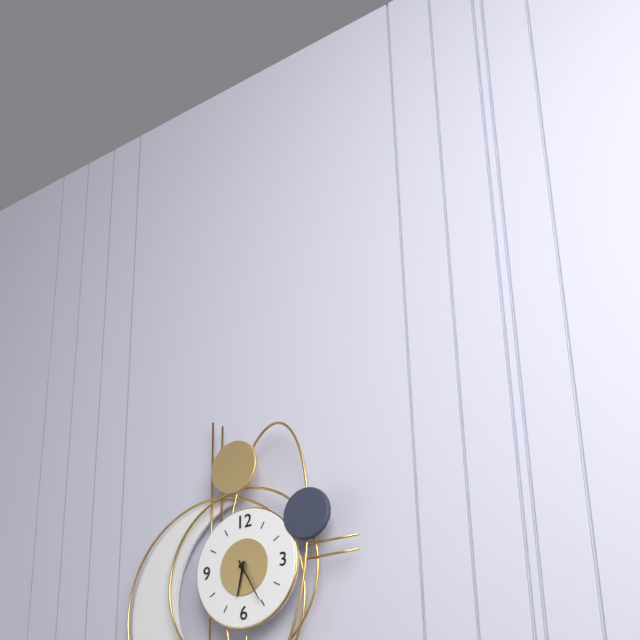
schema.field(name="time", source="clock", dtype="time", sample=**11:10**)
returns **6:25**
